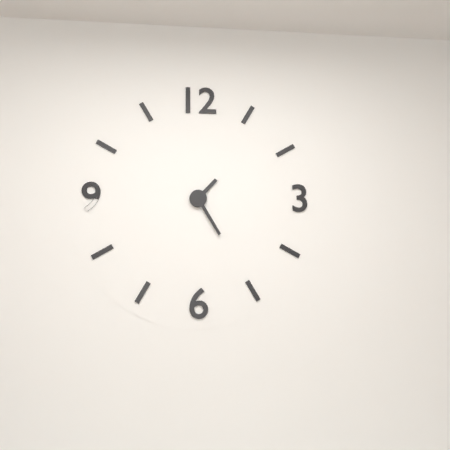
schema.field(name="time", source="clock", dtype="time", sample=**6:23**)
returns **1:25**
